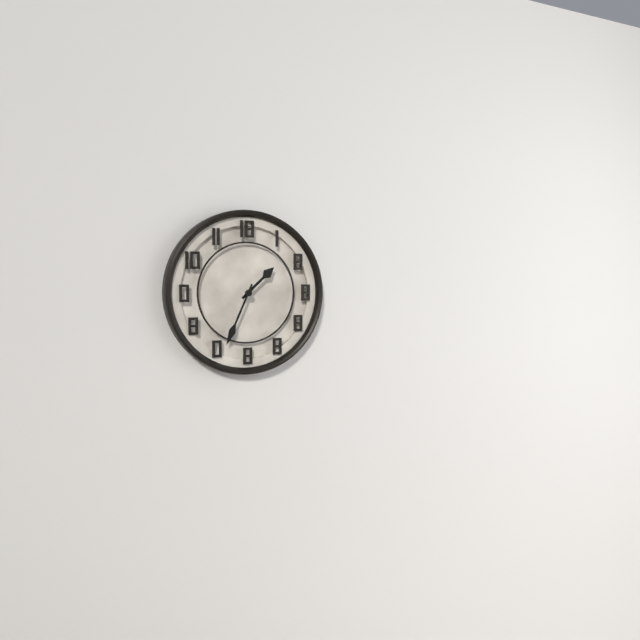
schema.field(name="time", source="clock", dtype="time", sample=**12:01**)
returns **1:34**
